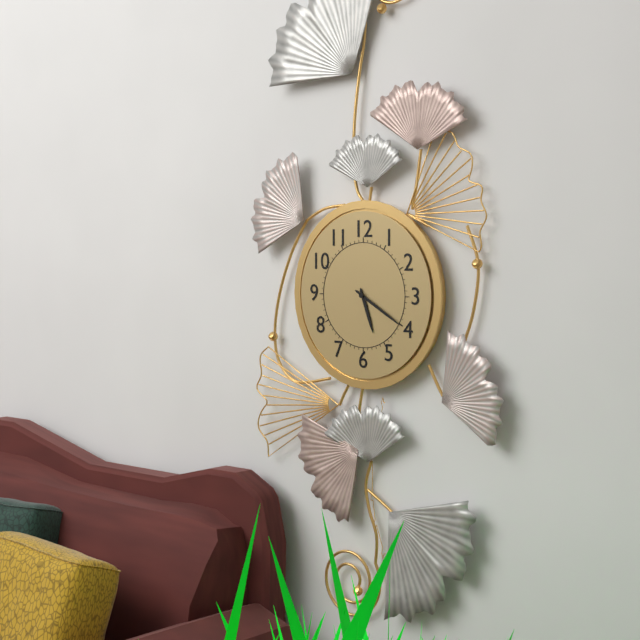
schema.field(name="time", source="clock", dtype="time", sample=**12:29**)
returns **5:20**
